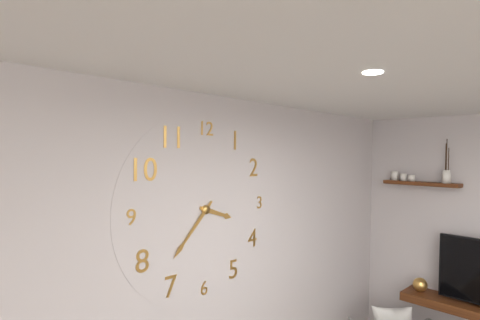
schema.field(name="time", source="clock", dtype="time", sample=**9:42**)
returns **3:37**
